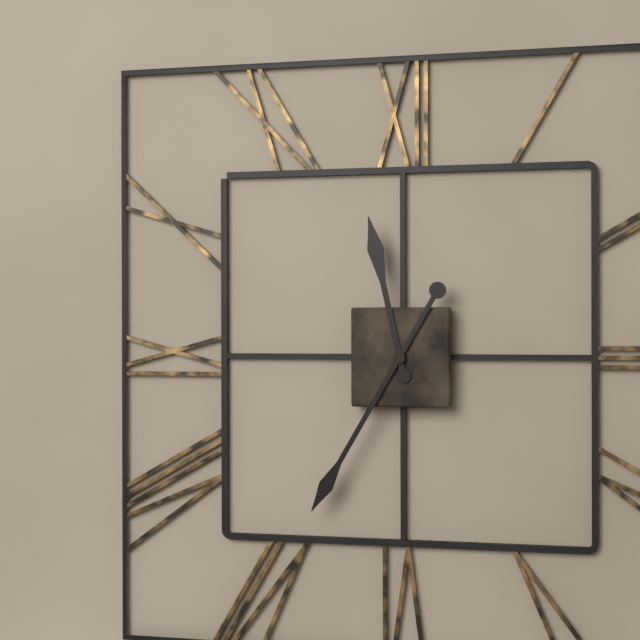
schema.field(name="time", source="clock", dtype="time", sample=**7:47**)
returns **11:35**
